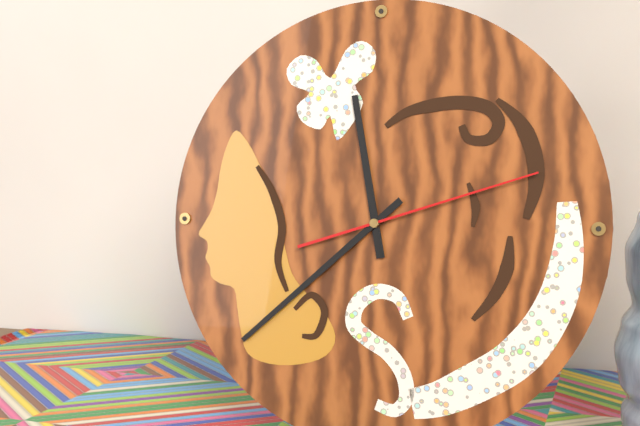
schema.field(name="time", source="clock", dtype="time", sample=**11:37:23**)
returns **11:38:12**
